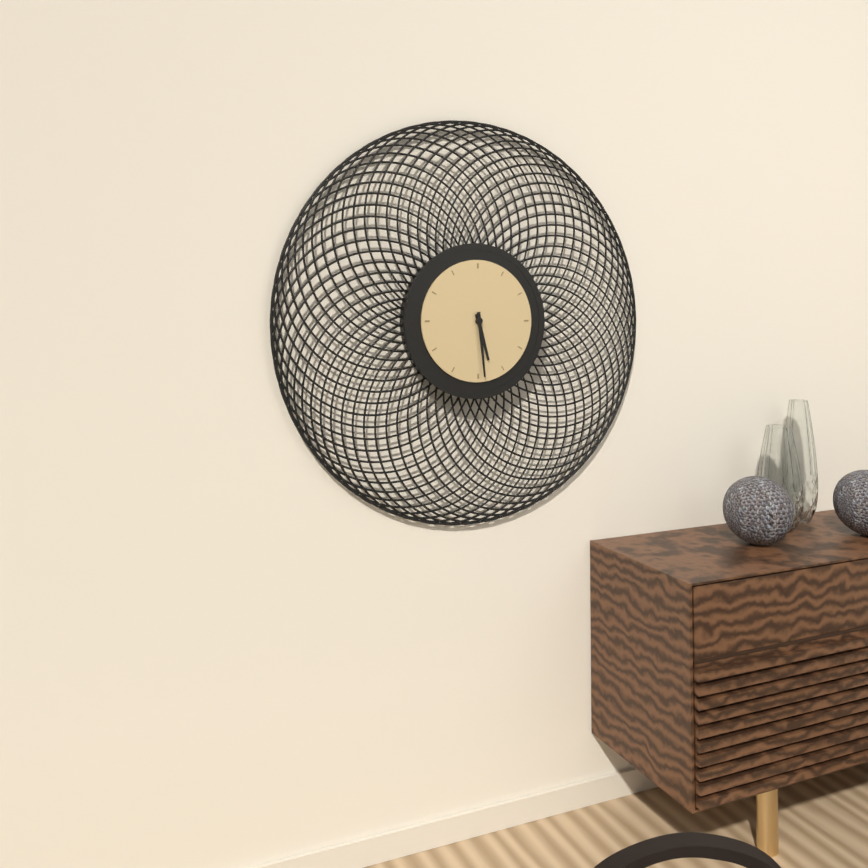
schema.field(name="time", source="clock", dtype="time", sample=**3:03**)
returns **5:29**
